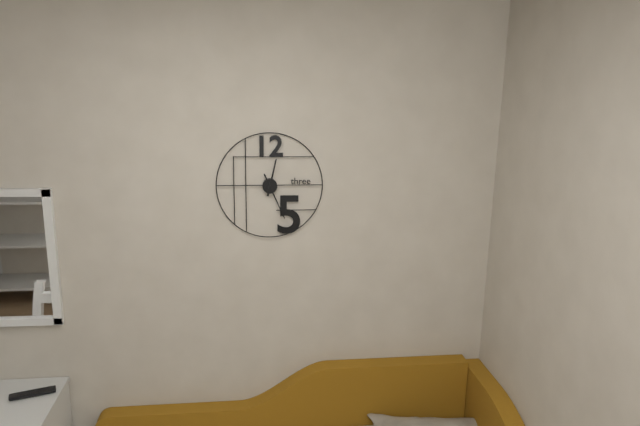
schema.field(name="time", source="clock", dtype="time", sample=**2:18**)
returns **12:26**
